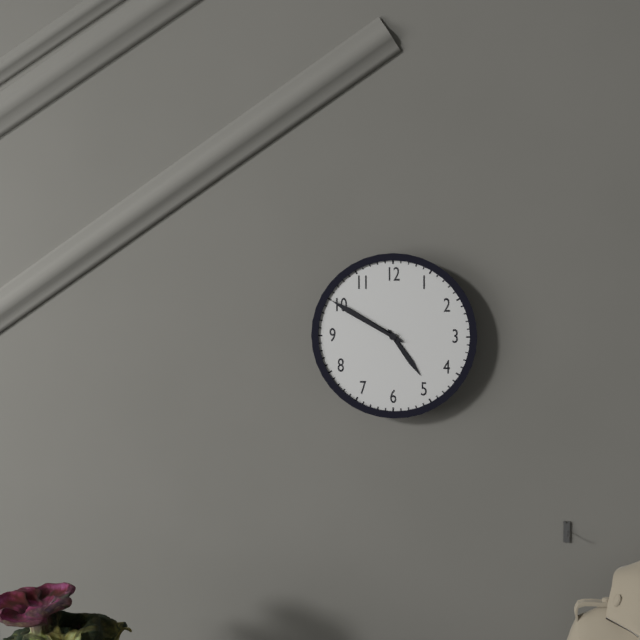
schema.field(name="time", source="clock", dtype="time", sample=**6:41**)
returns **4:50**
